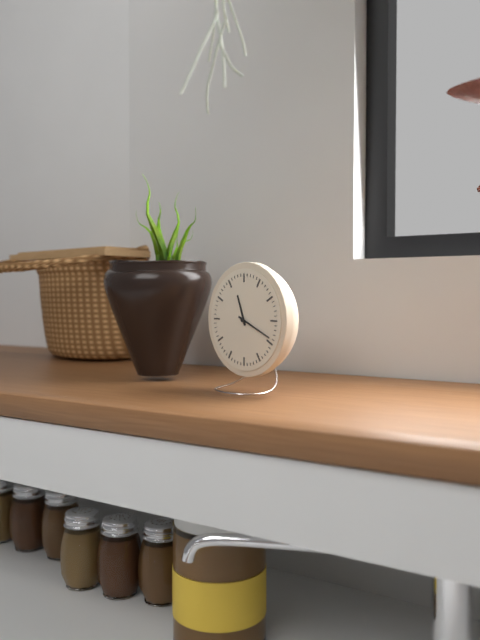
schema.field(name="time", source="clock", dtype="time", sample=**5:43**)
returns **11:19**
